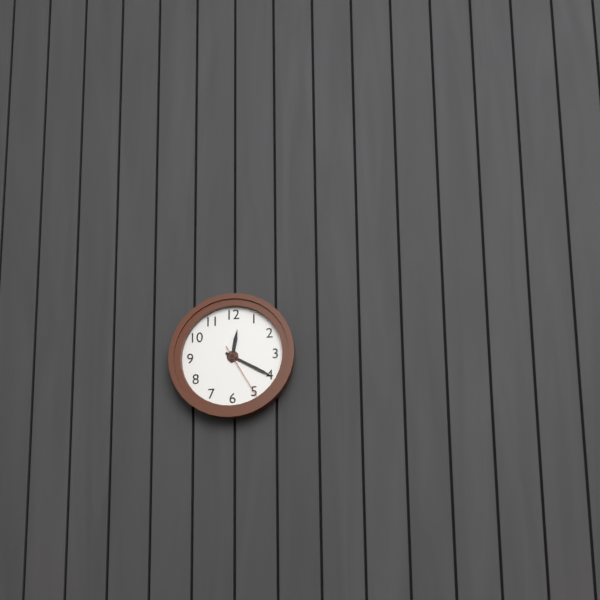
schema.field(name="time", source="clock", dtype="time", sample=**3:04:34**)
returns **12:20:25**
